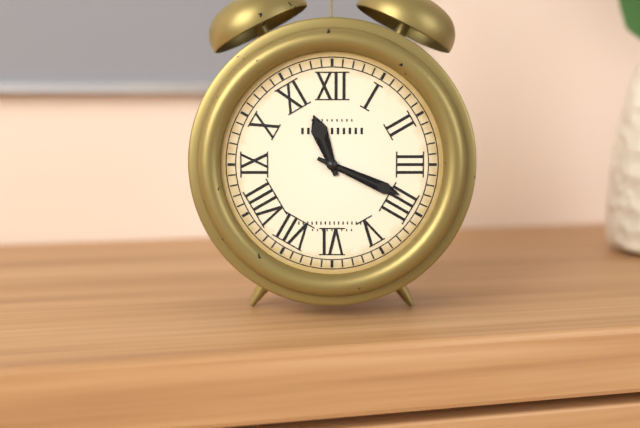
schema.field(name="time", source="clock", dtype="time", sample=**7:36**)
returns **11:19**
